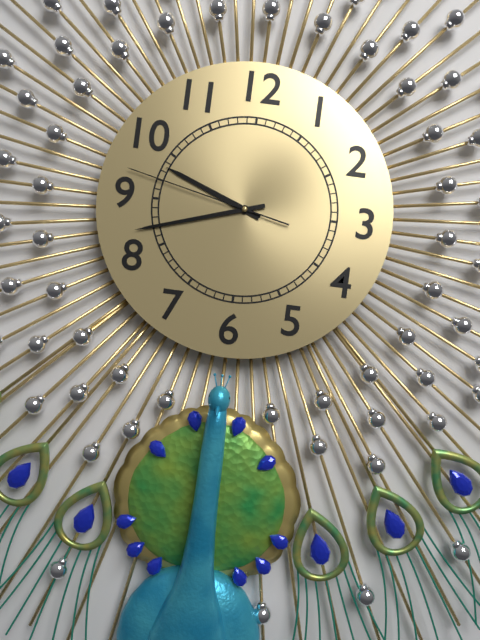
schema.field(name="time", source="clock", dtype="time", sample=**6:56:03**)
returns **9:42:47**
